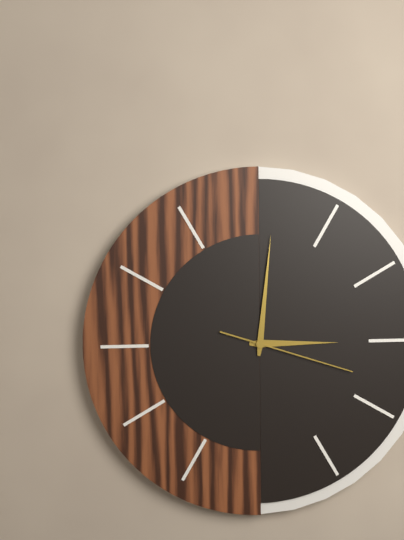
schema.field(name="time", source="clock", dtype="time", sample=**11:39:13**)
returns **3:01:18**
